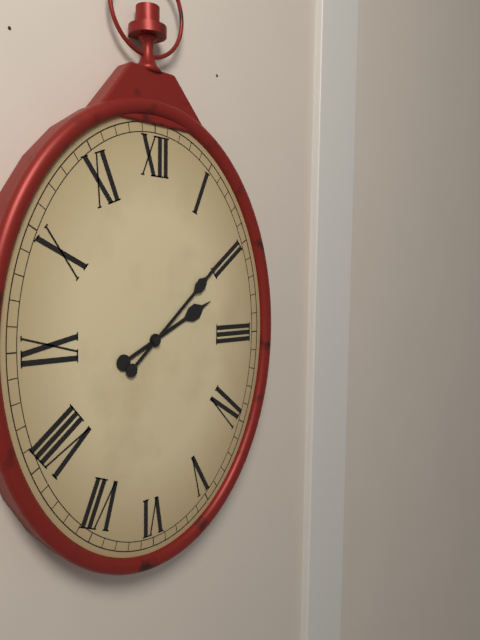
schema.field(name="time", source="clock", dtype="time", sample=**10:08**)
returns **2:08**
